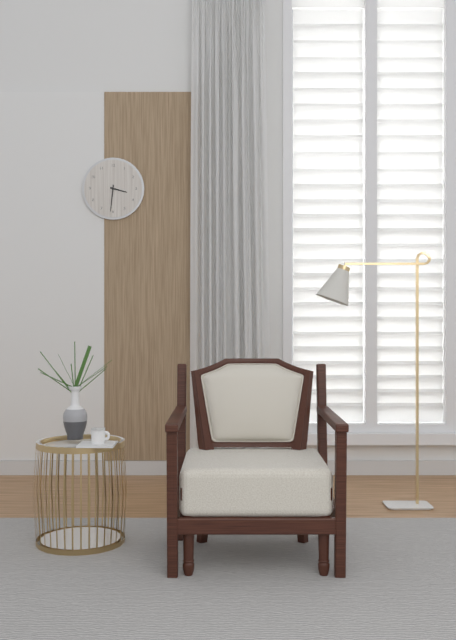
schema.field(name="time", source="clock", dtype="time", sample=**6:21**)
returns **3:31**
